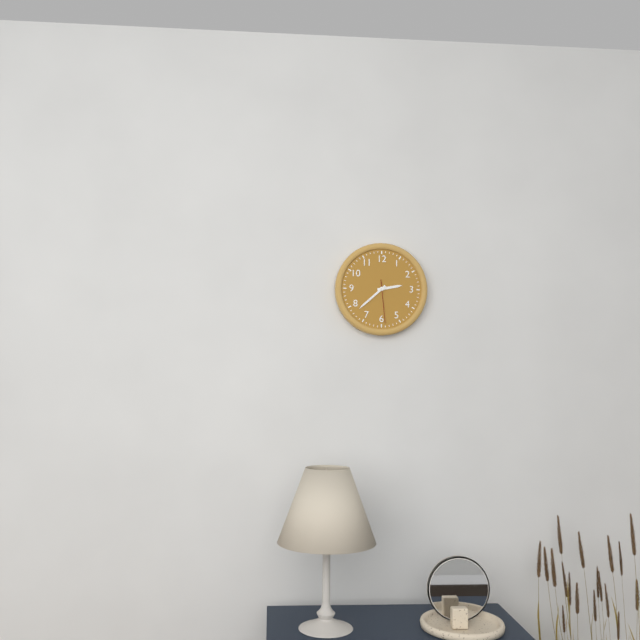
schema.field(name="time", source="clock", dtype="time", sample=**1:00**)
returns **2:38**
